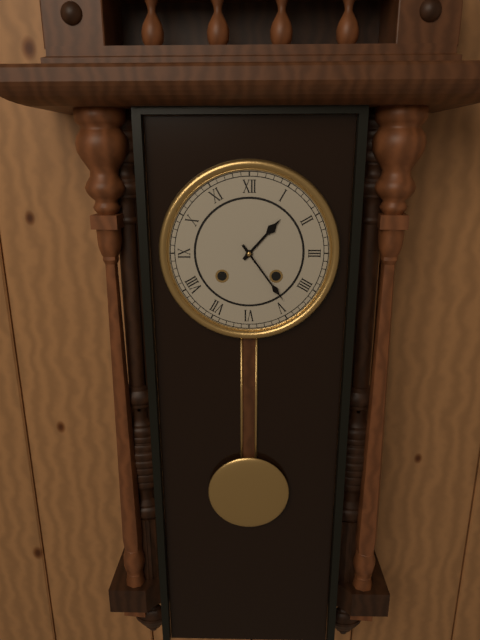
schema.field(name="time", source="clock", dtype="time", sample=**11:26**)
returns **1:24**
